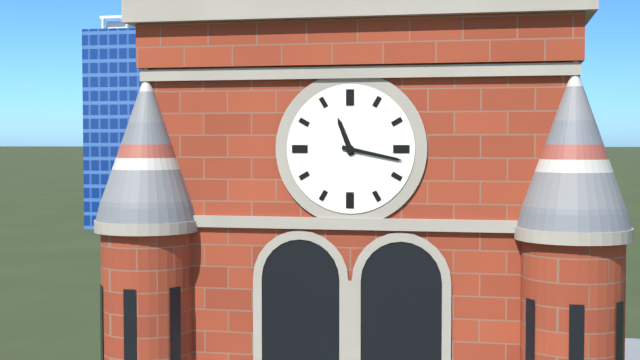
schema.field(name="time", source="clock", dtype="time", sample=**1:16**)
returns **11:17**
